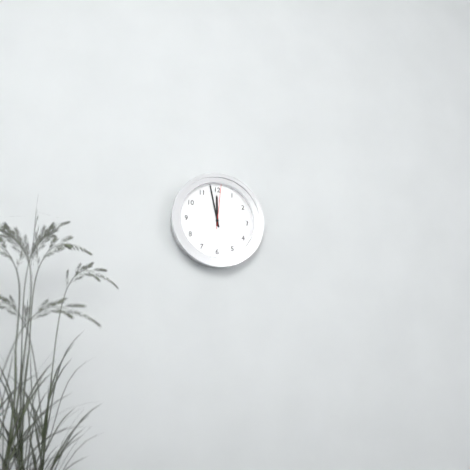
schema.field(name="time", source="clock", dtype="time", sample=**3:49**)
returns **11:58**
